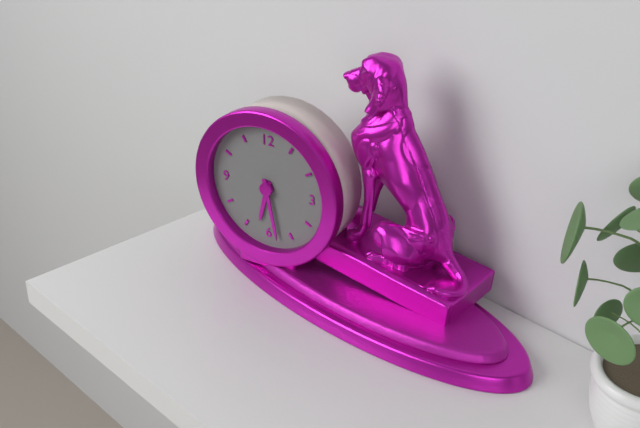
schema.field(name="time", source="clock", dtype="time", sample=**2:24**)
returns **6:28**
